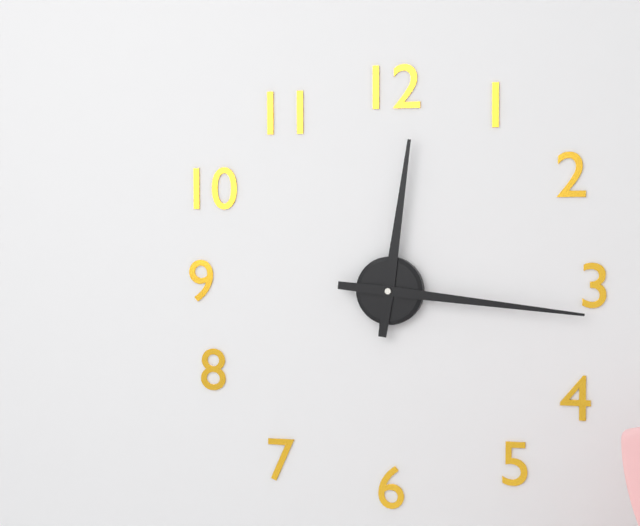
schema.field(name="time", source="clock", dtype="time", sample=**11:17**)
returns **12:16**
